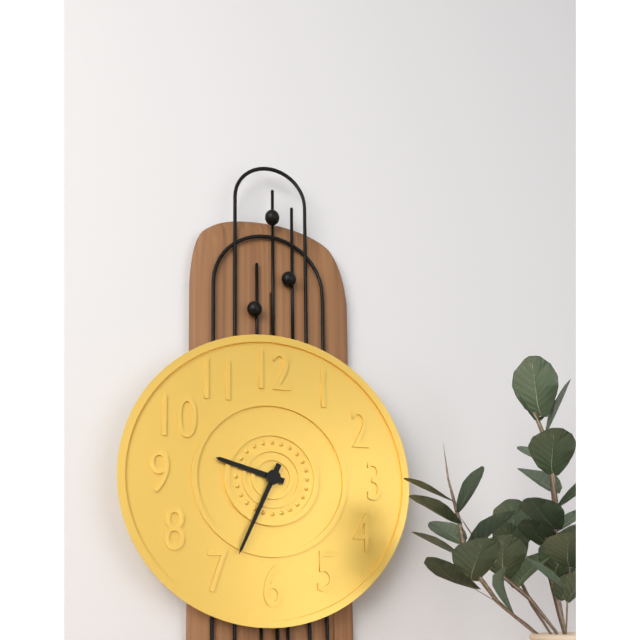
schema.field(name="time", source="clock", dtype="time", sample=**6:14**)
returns **9:34**
